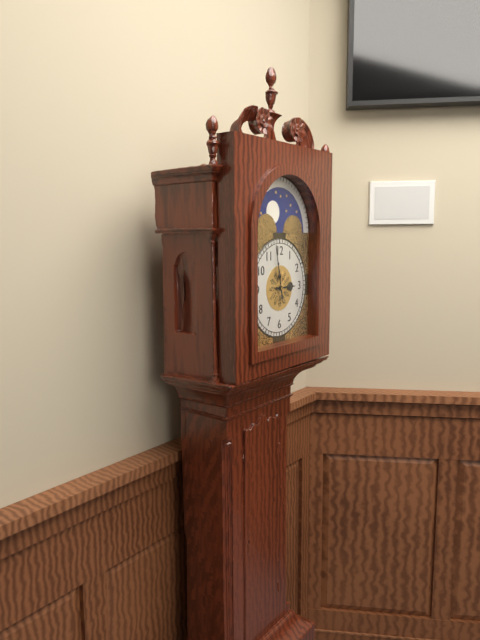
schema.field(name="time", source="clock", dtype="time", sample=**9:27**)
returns **2:58**
